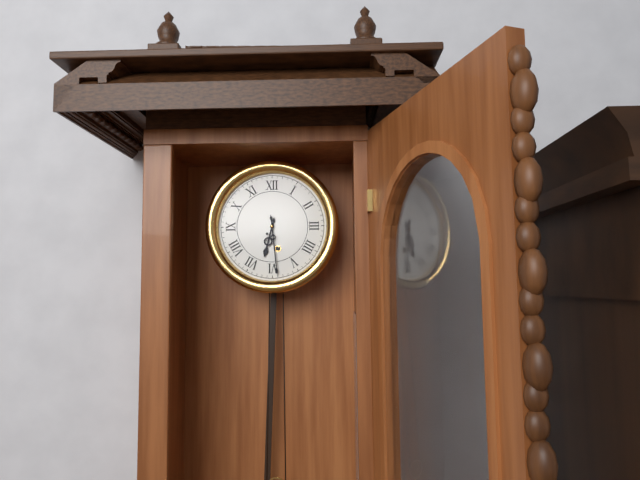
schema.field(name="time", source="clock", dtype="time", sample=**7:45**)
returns **6:29**
